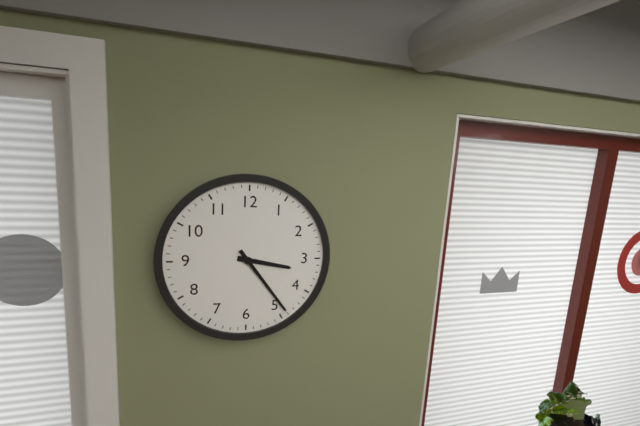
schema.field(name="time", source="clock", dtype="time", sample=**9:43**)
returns **3:24**
